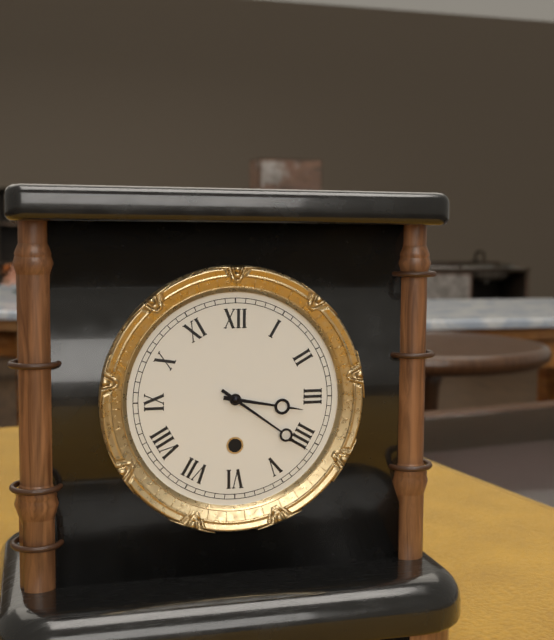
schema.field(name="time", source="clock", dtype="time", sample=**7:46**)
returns **3:21**
